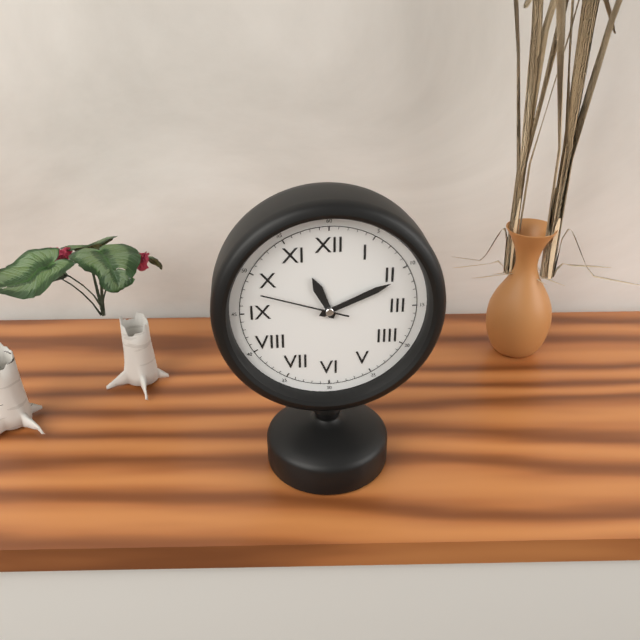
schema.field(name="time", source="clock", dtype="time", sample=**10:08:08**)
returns **11:11:48**
